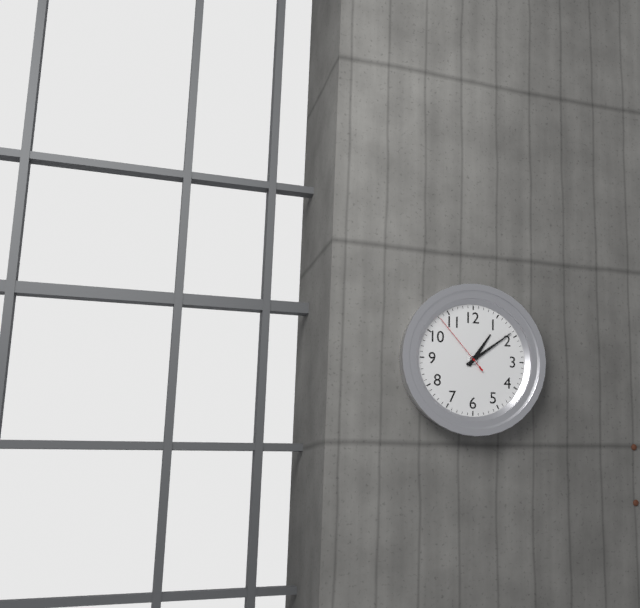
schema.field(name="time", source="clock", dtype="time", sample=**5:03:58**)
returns **1:09:53**
